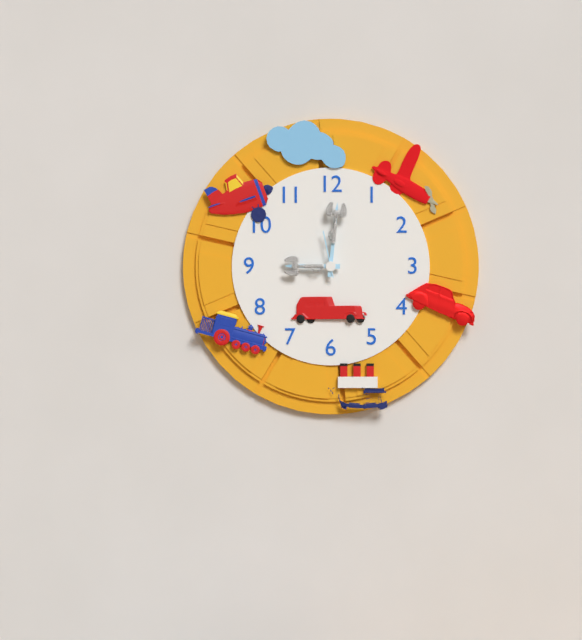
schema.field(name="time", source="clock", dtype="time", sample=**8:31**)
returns **9:01**
